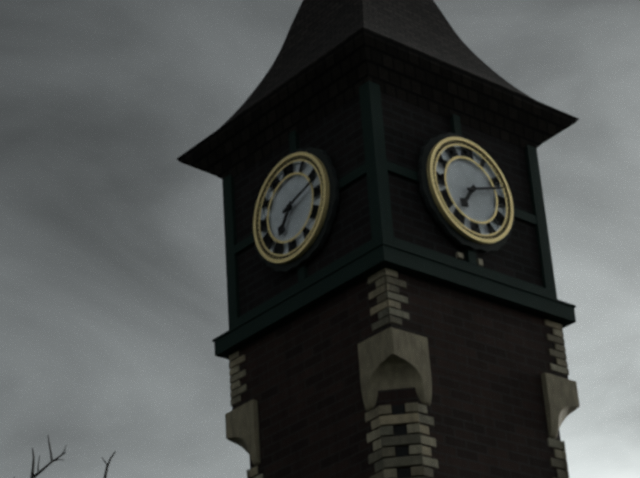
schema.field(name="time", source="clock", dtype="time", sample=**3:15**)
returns **7:12**
